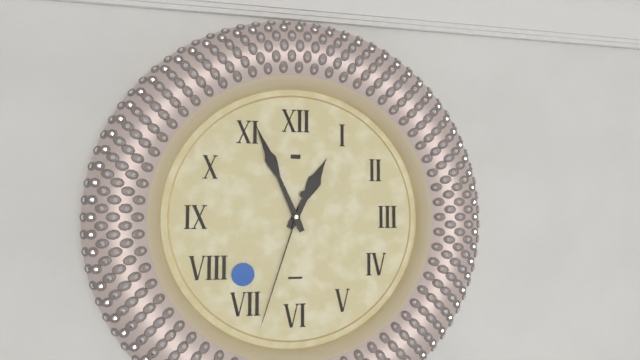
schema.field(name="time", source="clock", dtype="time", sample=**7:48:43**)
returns **12:56:33**
